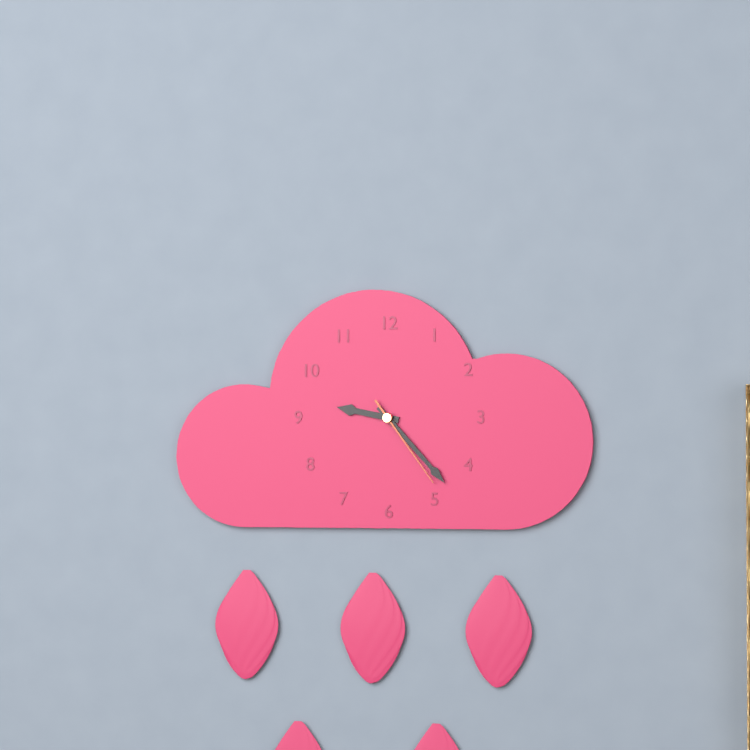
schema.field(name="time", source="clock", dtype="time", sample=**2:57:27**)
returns **9:23:24**
